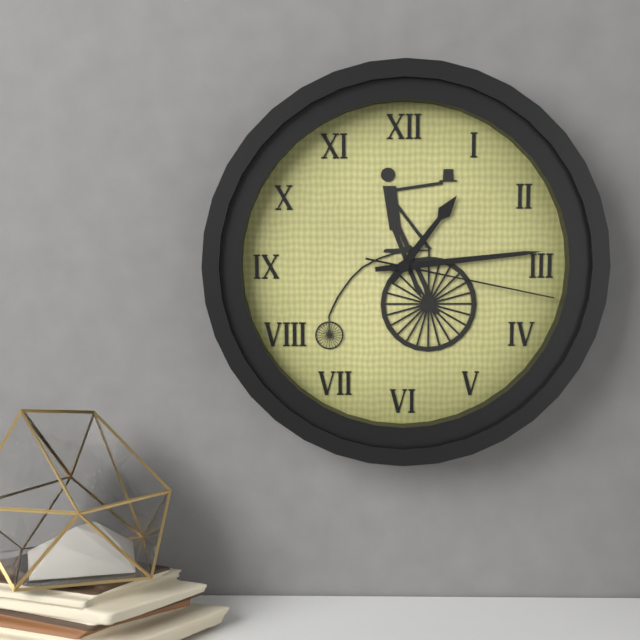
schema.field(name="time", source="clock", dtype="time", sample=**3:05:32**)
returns **1:14:17**
